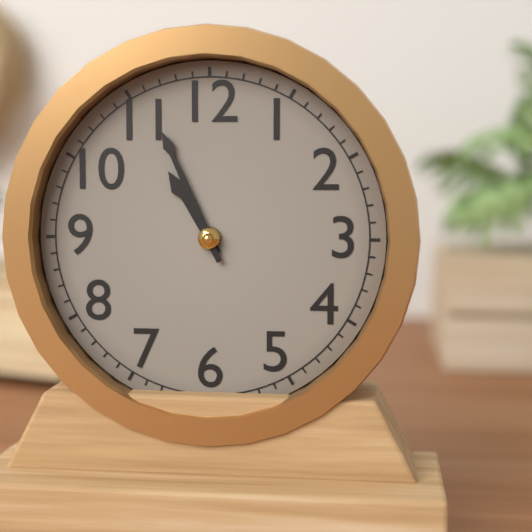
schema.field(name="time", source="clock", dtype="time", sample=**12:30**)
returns **10:56**
